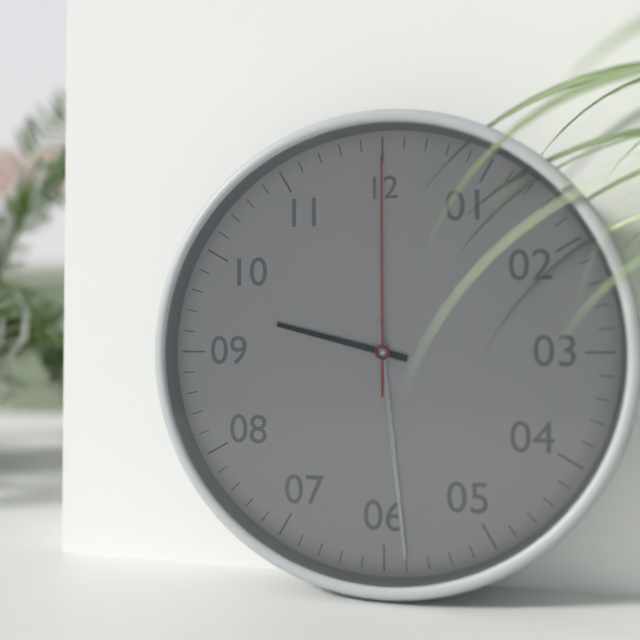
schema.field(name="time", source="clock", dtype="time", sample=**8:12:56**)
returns **9:29:00**
